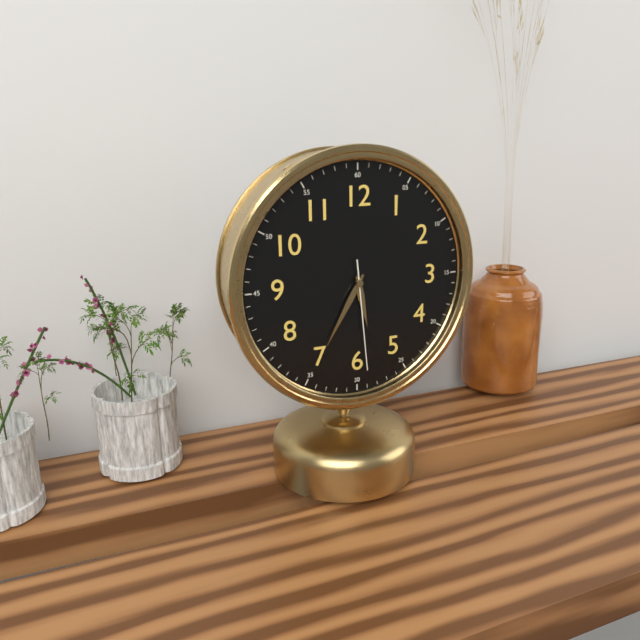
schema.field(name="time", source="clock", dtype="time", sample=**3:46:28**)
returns **5:35:29**
